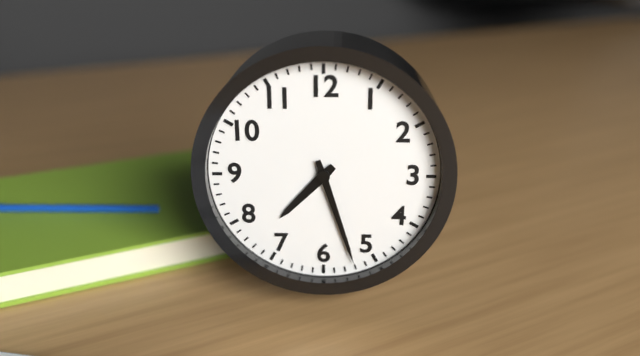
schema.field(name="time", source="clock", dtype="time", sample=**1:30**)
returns **7:27**
